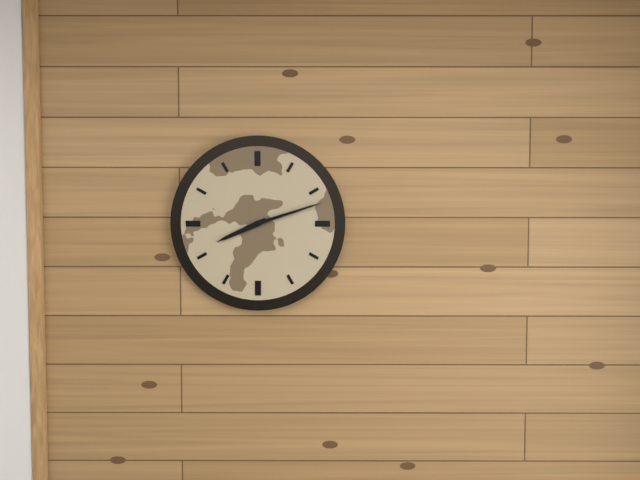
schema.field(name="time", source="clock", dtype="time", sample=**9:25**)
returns **8:12**
